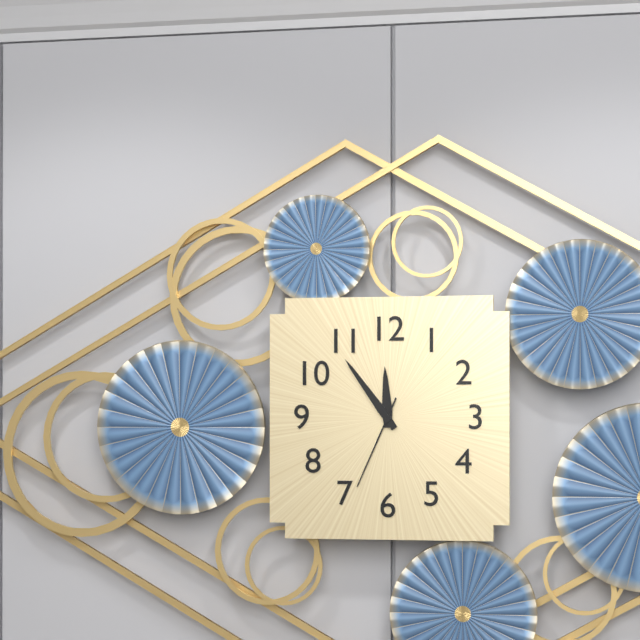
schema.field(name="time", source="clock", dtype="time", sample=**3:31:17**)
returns **11:54:34**
